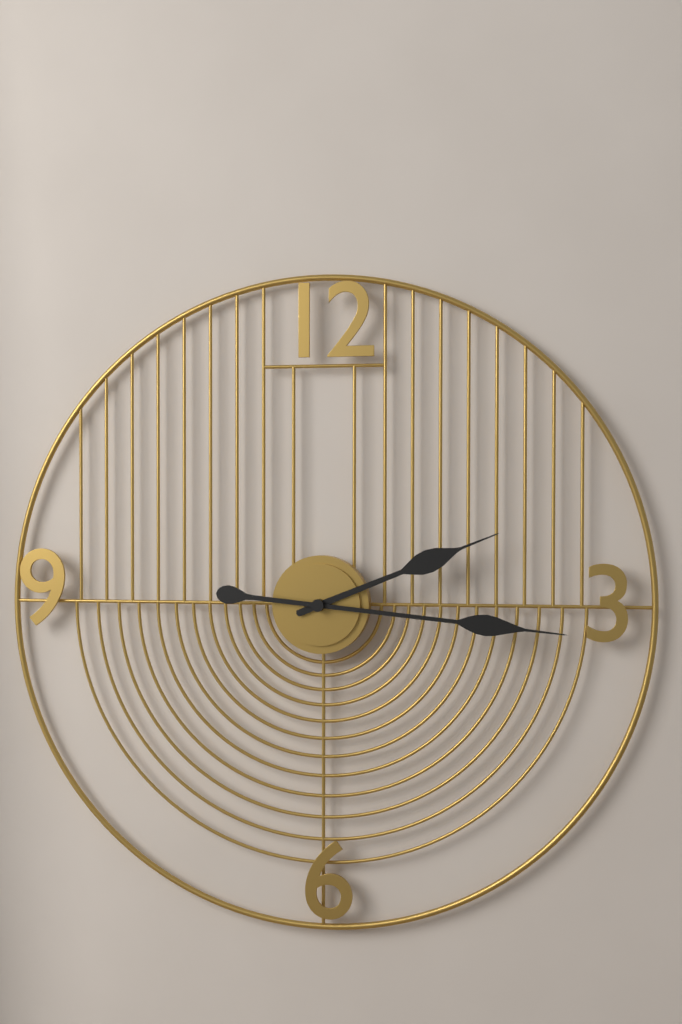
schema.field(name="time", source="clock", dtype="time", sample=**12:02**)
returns **2:16**
